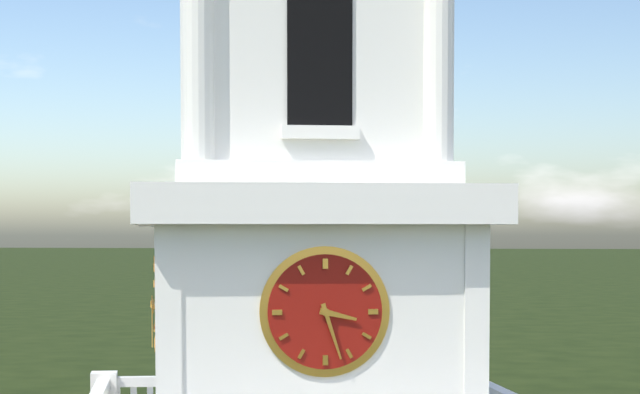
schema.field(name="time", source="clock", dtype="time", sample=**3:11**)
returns **3:27**
